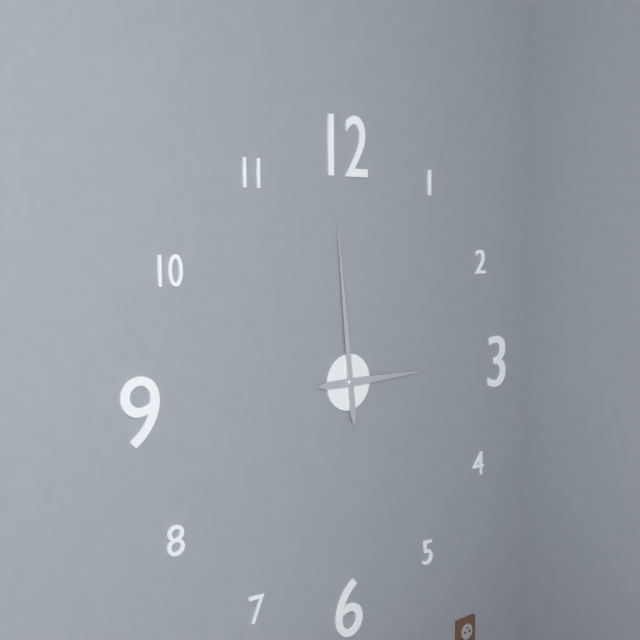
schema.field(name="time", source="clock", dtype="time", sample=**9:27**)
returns **2:59**
